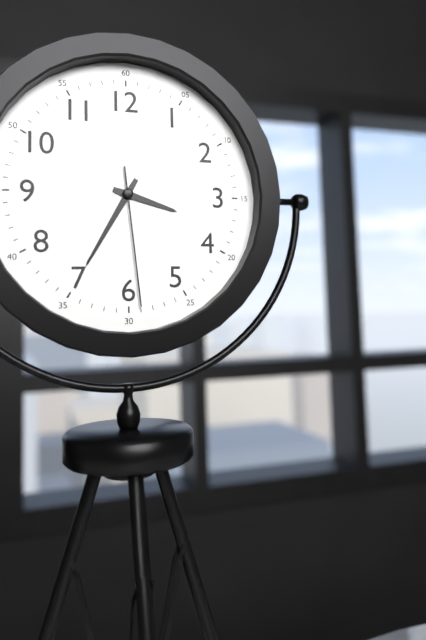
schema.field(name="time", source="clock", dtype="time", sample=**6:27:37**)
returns **3:35:29**
